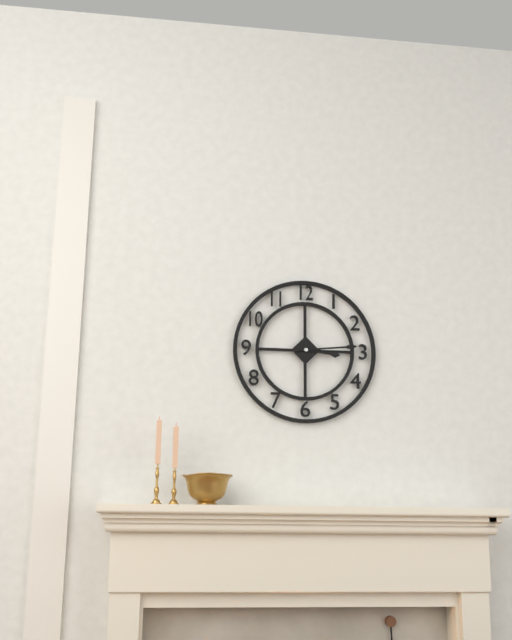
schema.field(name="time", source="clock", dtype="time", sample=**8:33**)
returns **3:14**
